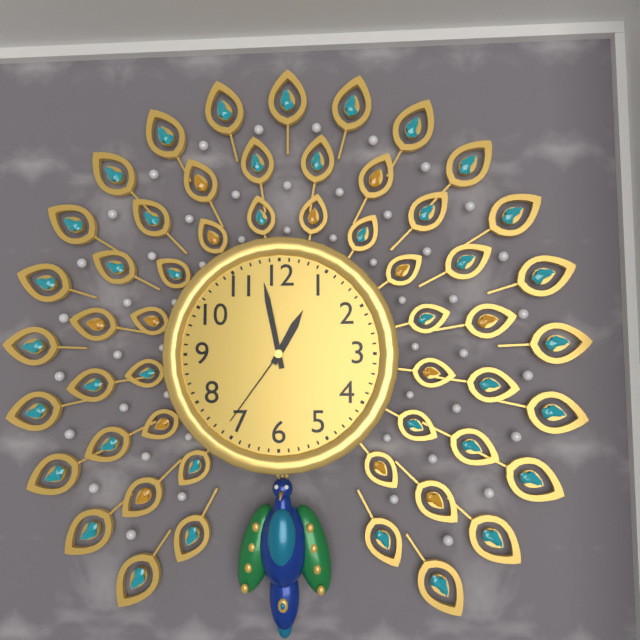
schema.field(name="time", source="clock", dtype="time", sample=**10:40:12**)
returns **12:58:36**
